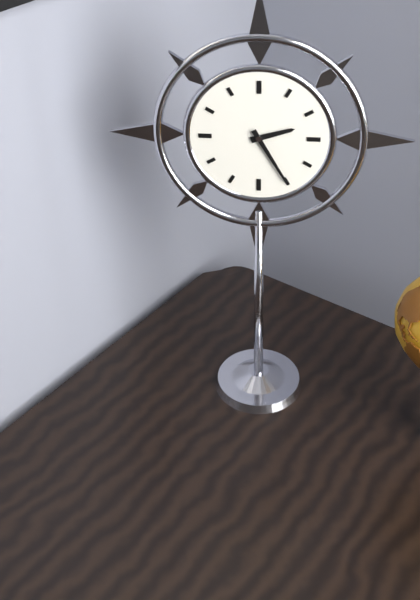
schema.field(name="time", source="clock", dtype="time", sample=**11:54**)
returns **2:25**
